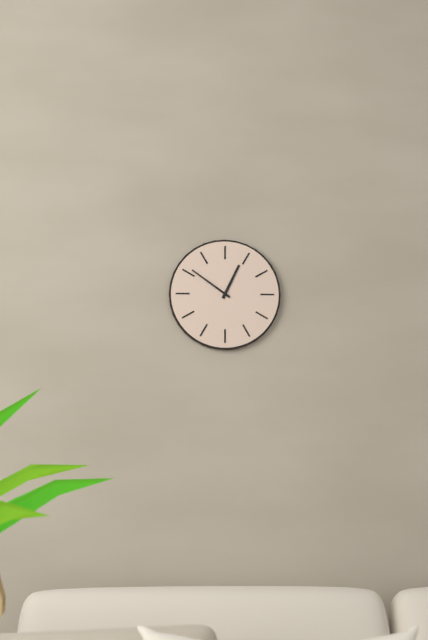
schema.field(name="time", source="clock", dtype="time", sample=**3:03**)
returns **12:51**
